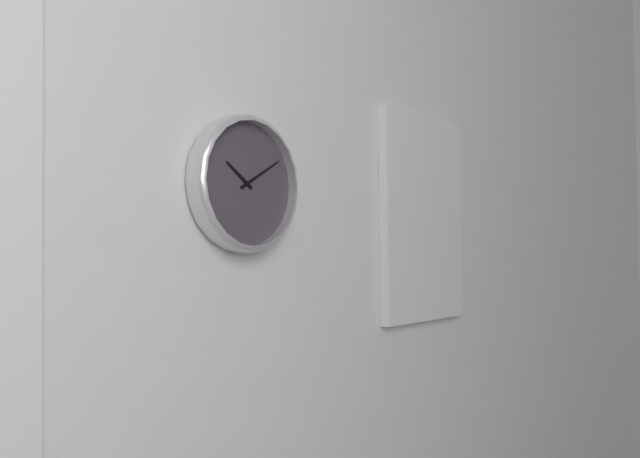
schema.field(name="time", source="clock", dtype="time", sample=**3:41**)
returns **10:10**
